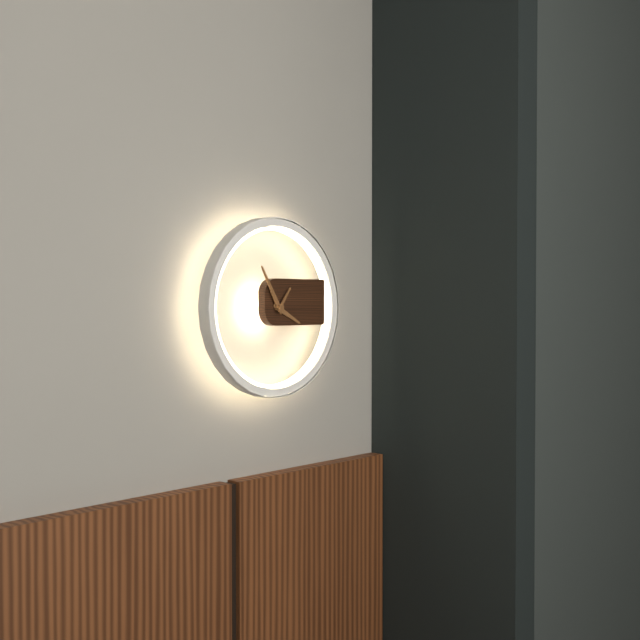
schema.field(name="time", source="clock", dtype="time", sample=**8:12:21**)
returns **3:55:06**
